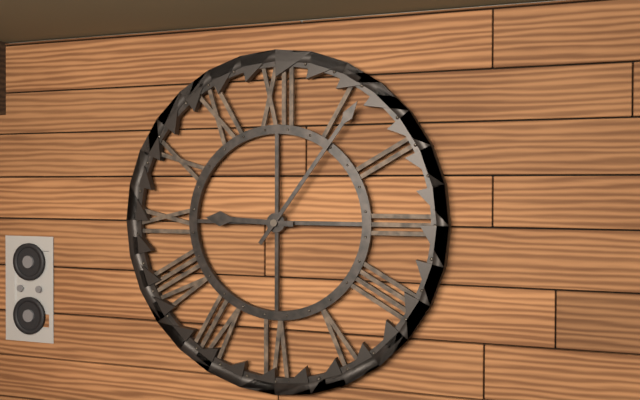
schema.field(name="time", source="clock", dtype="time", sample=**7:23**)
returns **9:06**
